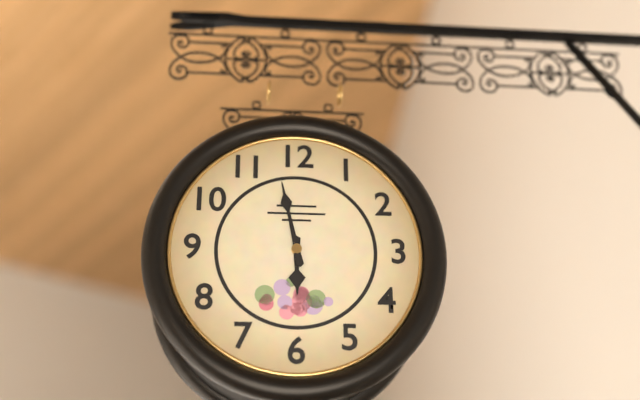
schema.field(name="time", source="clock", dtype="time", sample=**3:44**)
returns **5:58**
